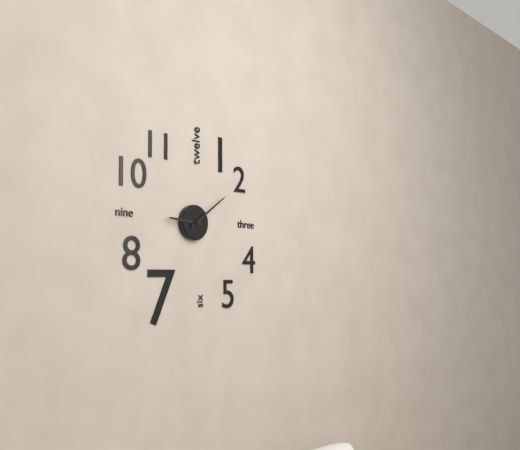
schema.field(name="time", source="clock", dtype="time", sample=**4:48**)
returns **9:09**
